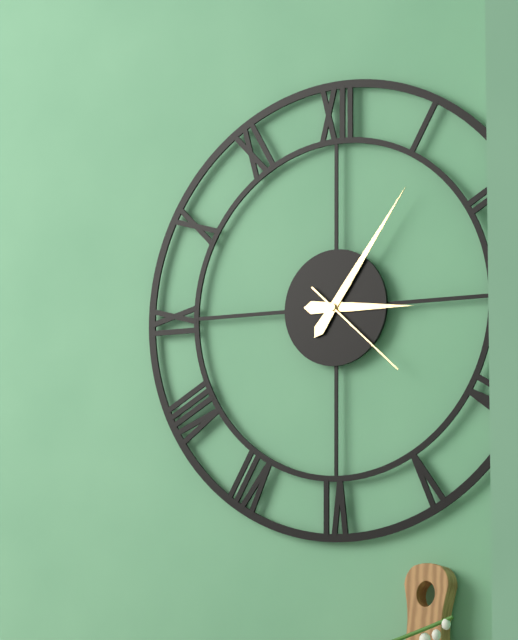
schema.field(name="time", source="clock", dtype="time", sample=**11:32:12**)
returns **3:06:22**
